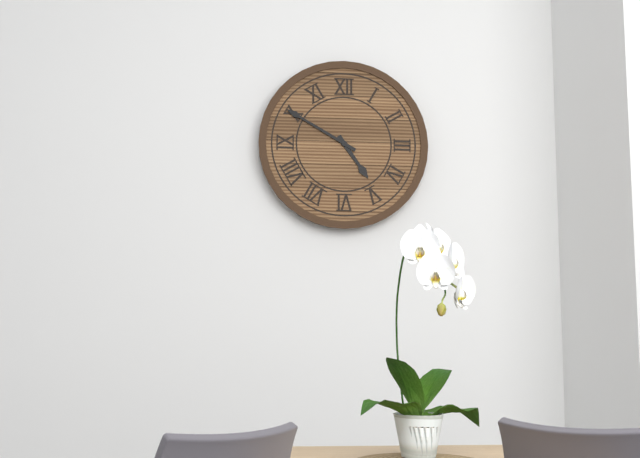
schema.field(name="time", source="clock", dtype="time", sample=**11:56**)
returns **4:50**
